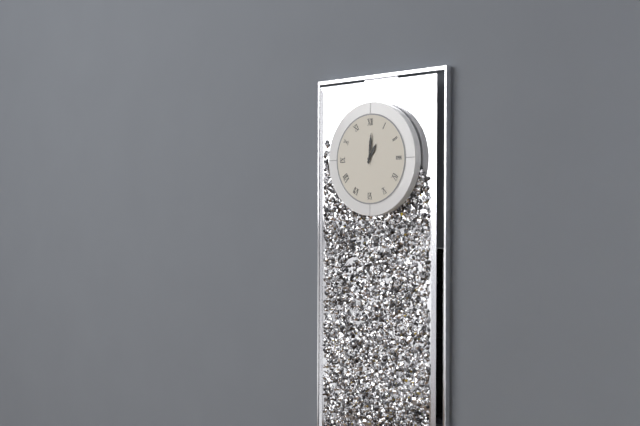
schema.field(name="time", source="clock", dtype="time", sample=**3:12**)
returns **1:01**
